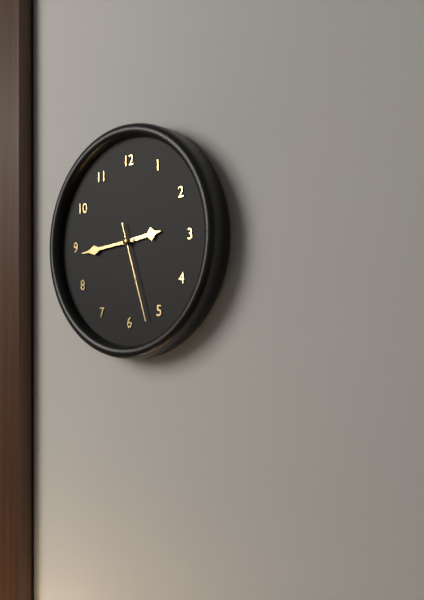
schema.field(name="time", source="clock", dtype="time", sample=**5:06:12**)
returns **2:44:27**
